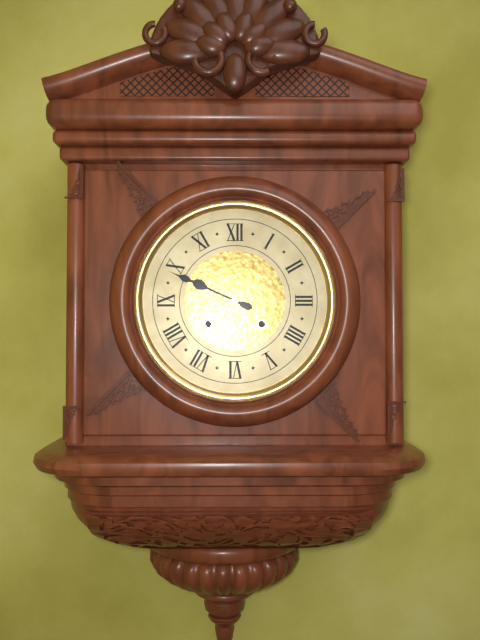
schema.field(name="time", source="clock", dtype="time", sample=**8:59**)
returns **9:49**
